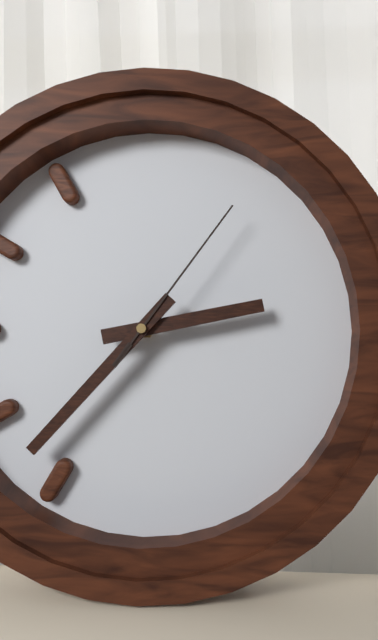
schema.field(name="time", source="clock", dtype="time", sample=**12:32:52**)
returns **2:37:06**
